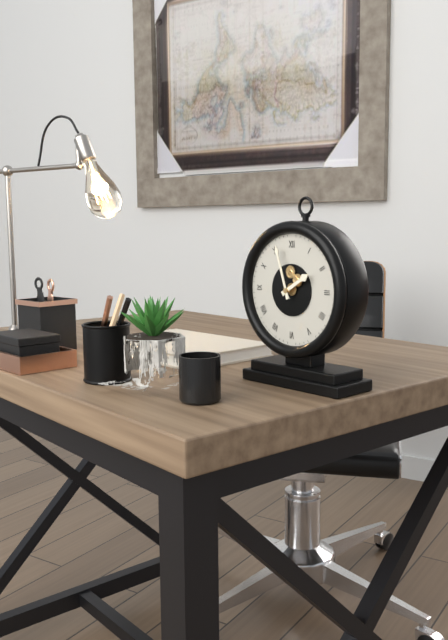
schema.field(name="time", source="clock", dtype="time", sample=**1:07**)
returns **1:57**
